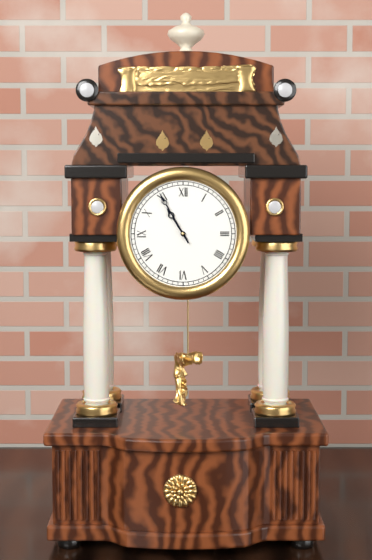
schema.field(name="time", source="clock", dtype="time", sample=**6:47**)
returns **10:55**
